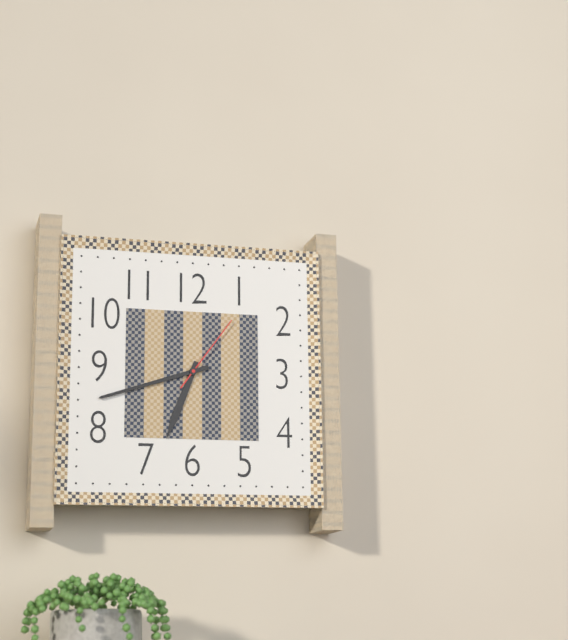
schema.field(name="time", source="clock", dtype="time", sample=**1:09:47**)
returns **6:42:06**
